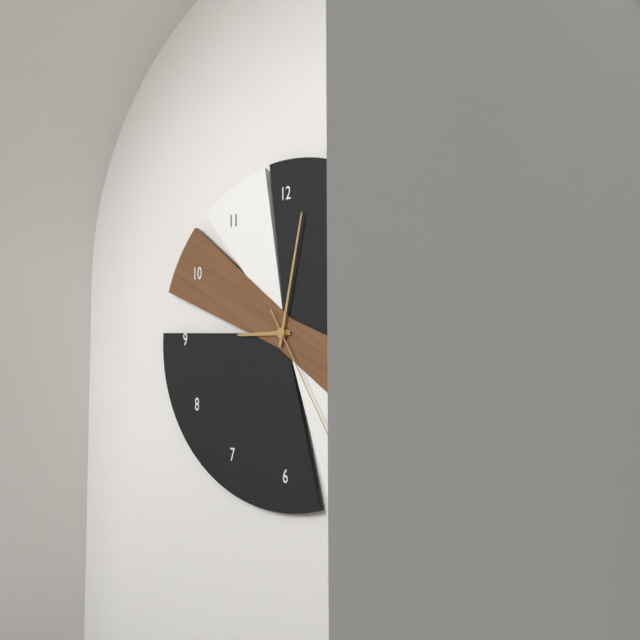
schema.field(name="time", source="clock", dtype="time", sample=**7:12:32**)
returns **9:02:25**
